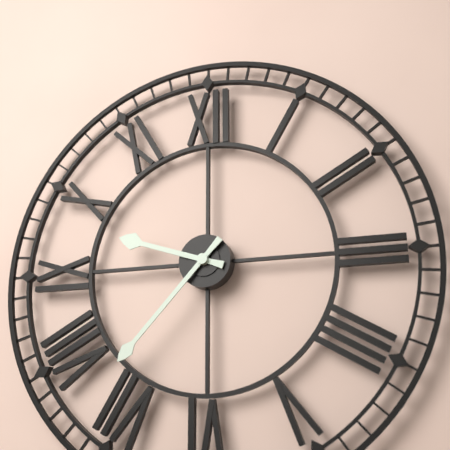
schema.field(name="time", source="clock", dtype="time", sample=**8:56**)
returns **9:37**
